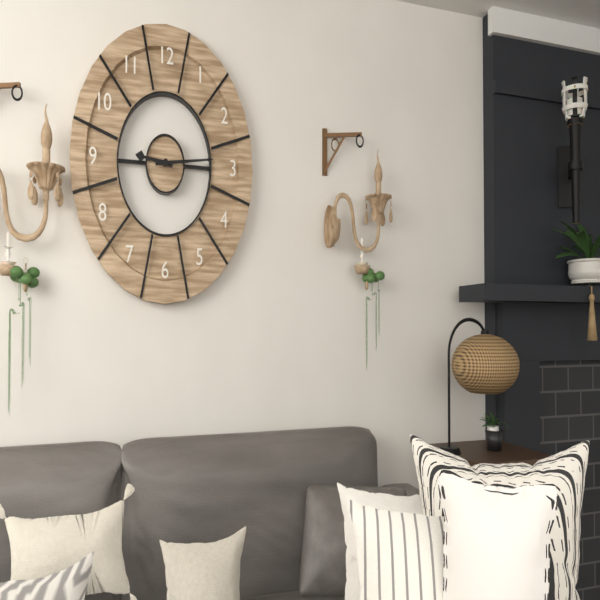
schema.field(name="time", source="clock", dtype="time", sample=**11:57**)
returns **9:14**
